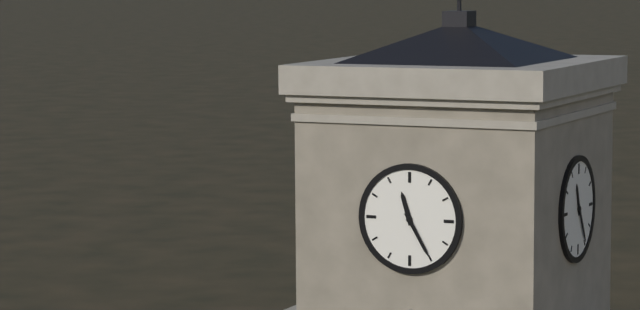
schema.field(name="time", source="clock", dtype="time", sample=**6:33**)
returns **11:25**
